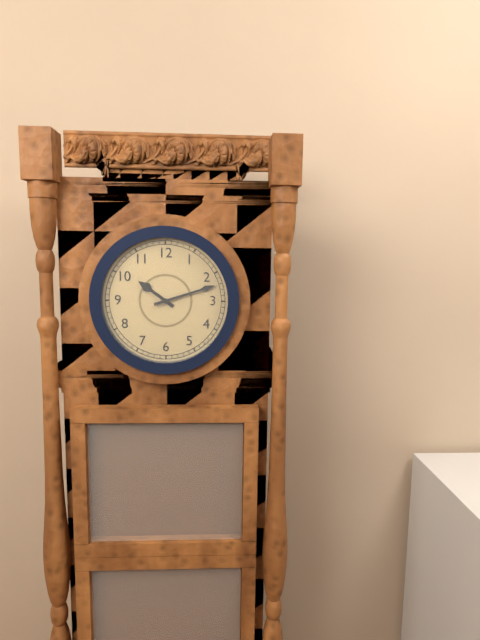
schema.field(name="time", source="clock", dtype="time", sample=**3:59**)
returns **10:12**
